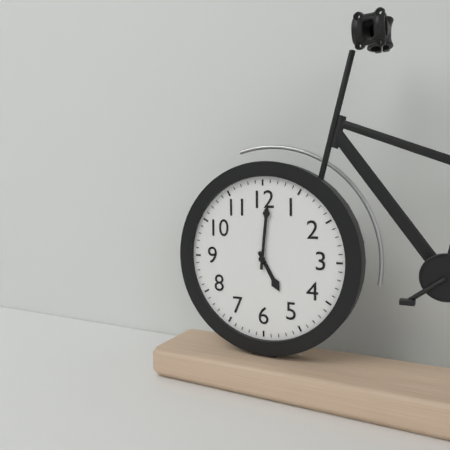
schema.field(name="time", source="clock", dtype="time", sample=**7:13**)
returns **5:01**
